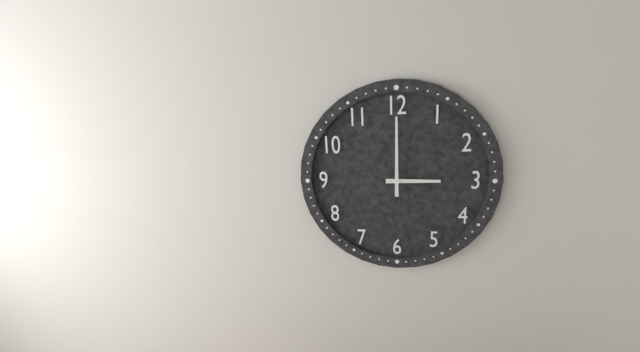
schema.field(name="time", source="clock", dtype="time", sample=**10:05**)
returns **3:00**
